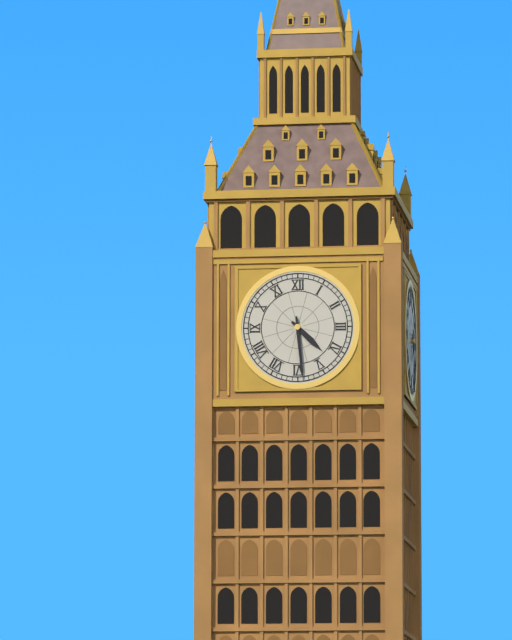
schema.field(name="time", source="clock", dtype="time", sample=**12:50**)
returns **4:29**
